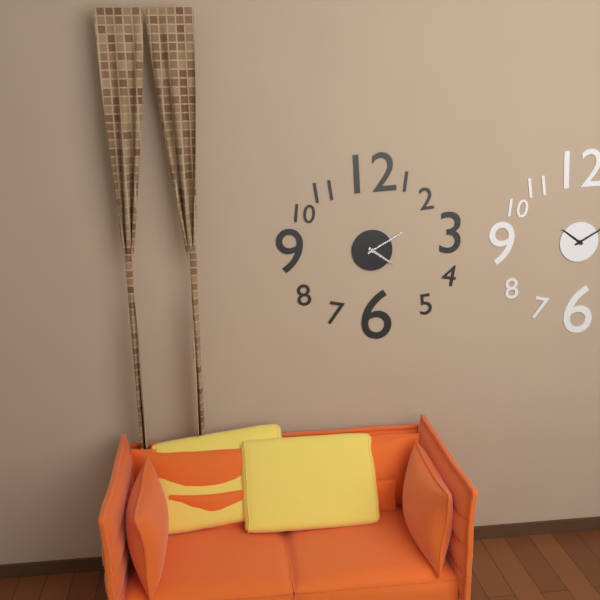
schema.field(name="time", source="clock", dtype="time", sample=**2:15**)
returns **4:10**
